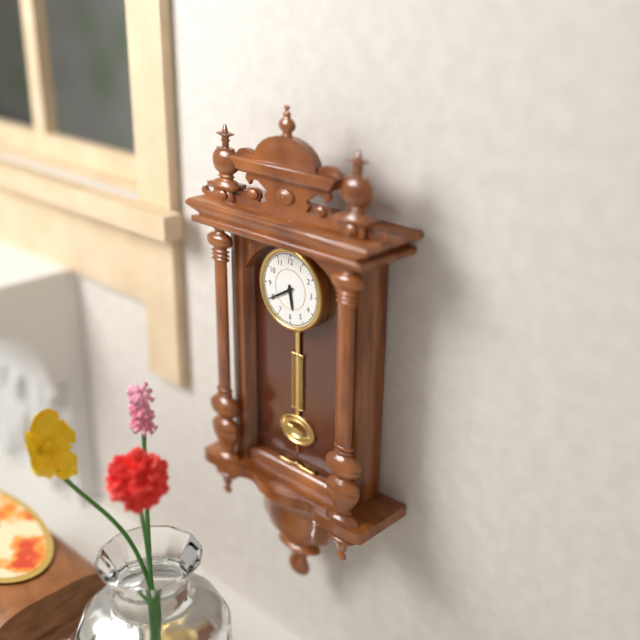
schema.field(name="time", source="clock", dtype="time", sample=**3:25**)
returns **5:40**
